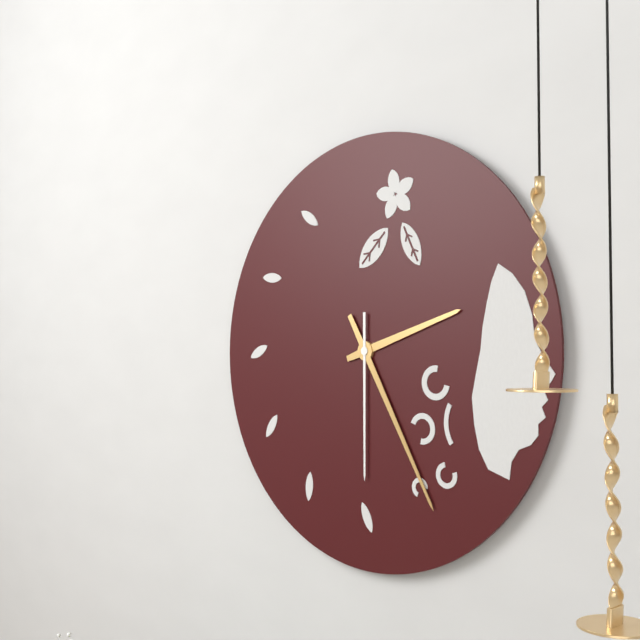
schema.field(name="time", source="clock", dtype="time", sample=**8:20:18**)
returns **2:25:30**
